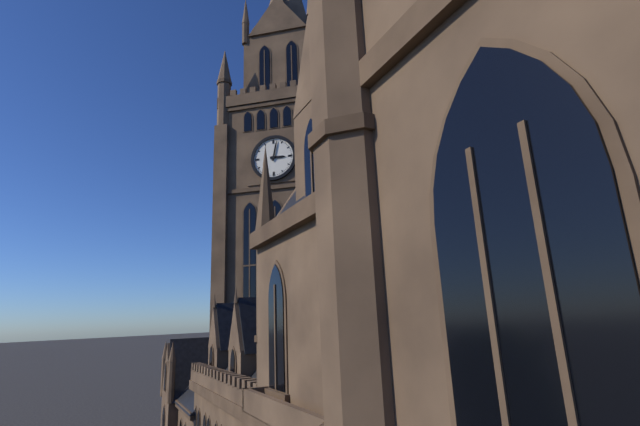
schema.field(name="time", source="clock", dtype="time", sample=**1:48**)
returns **3:02**
